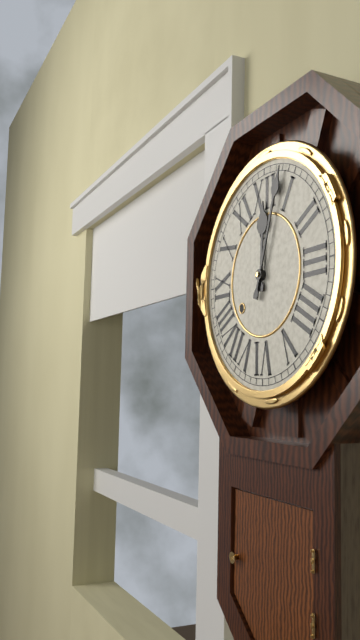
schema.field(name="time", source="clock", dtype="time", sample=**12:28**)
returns **12:03**
